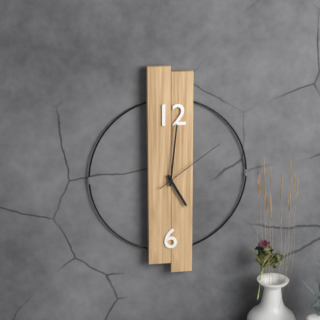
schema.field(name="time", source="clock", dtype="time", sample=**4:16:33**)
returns **5:01:09**
